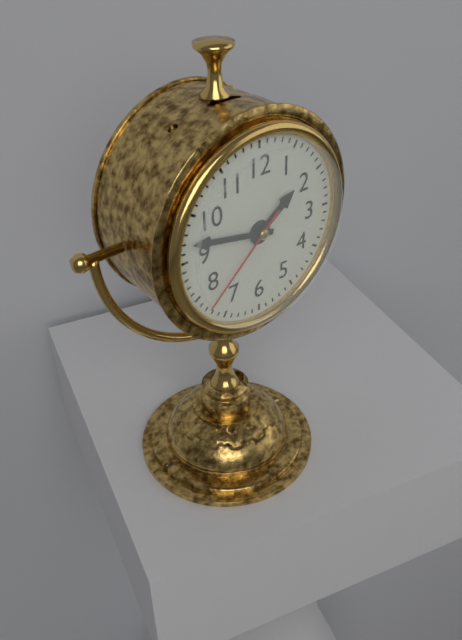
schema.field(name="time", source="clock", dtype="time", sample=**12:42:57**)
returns **1:47:38**
